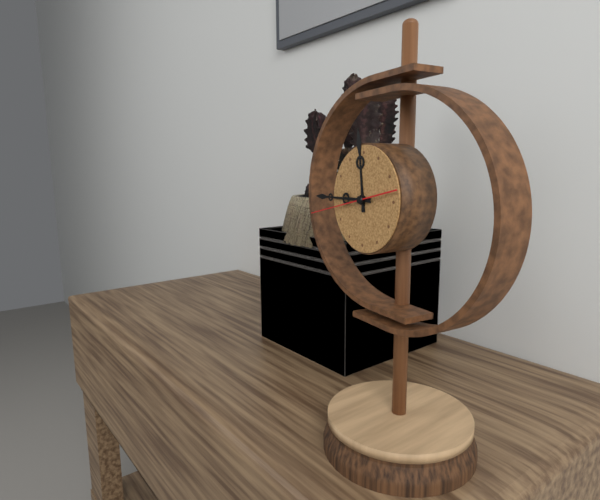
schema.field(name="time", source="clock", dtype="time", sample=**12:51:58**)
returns **11:45:43**
